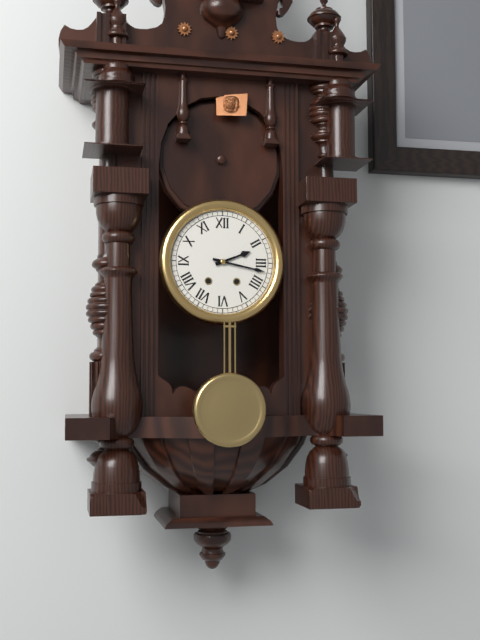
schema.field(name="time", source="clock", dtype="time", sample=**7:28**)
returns **2:17**
